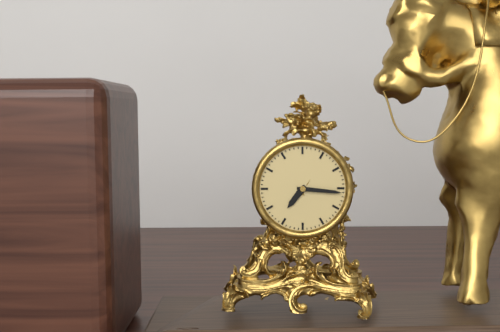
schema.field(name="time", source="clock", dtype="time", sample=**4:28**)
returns **7:16**
